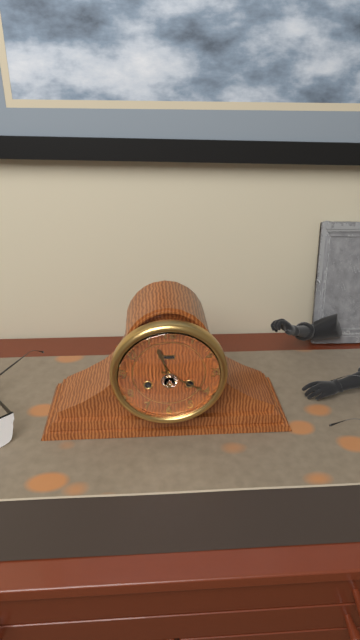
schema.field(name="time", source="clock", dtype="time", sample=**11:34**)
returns **11:20**
